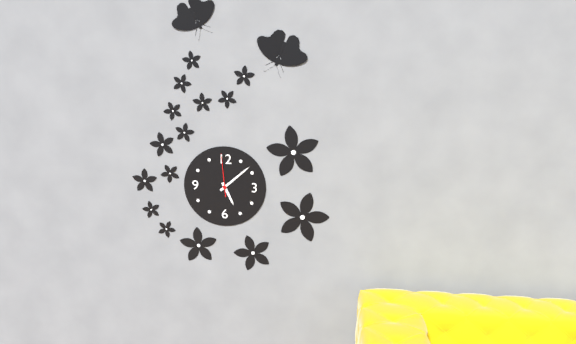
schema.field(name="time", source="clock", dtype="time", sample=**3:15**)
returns **5:08**
